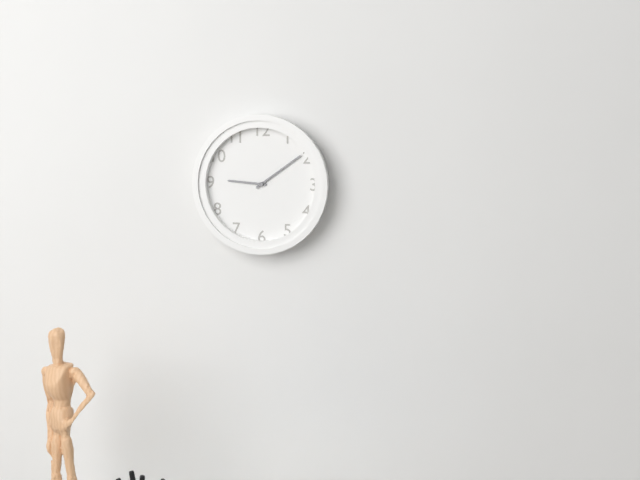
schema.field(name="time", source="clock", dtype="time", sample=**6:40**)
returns **9:09**
